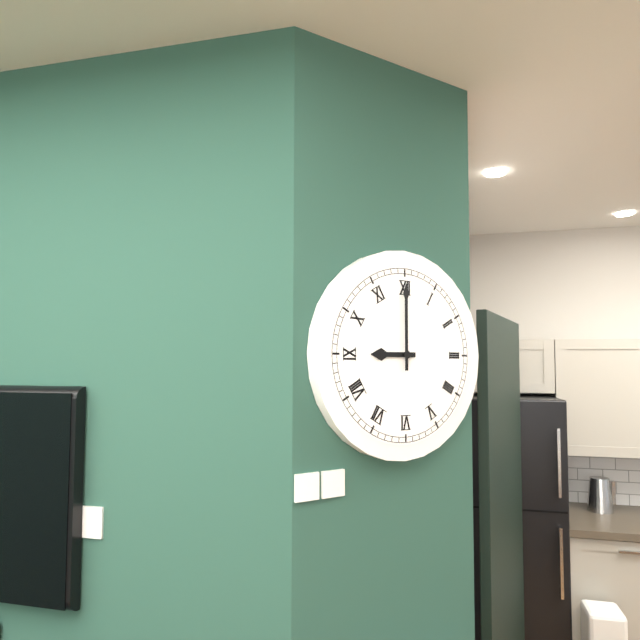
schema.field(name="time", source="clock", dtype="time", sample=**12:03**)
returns **9:00**
